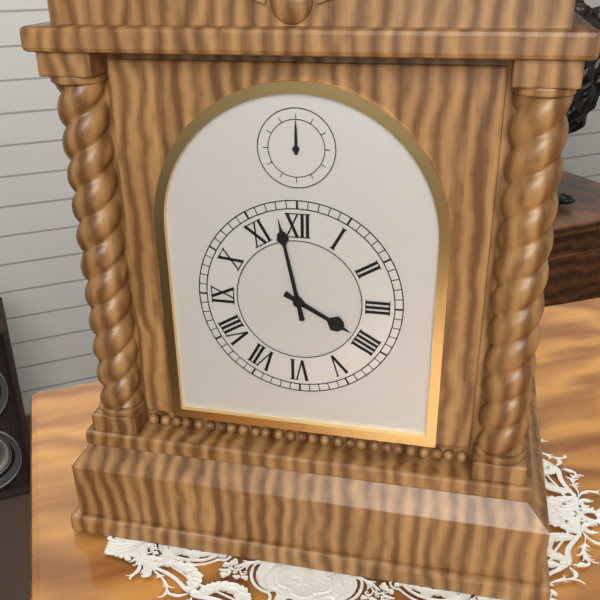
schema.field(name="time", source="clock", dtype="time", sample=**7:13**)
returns **3:58**
